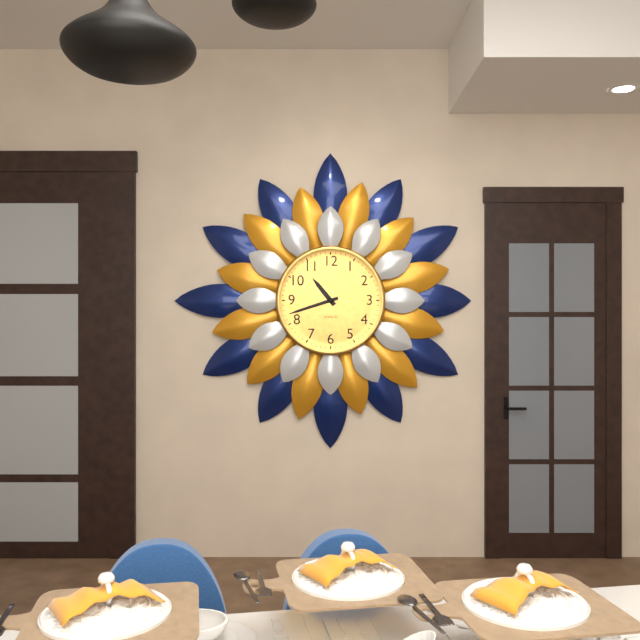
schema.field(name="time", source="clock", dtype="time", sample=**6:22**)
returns **10:42**
